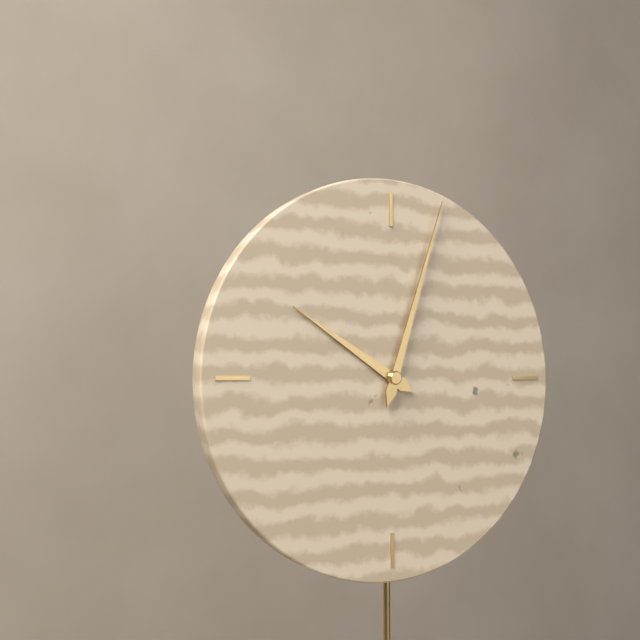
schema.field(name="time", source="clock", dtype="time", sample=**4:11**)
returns **10:03**
